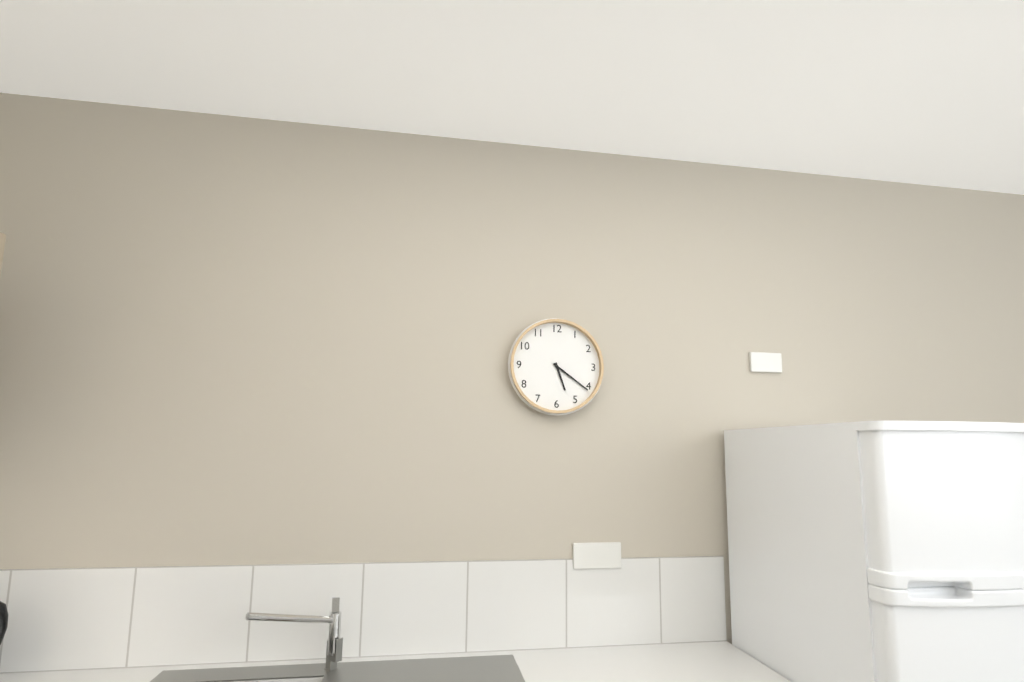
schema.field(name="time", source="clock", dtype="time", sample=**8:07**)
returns **5:21**
